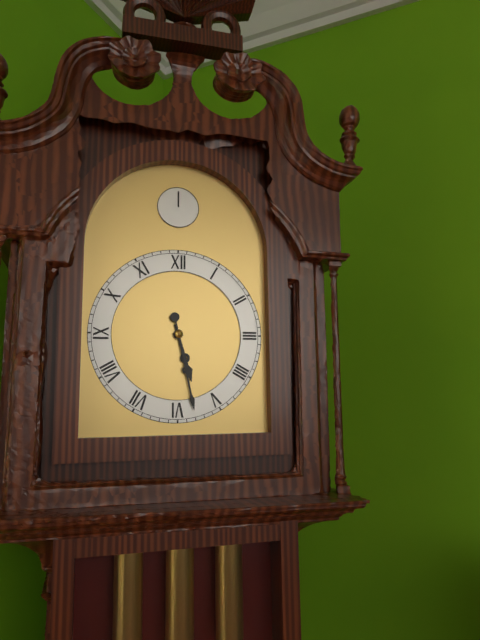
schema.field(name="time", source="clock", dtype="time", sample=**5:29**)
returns **5:28**
